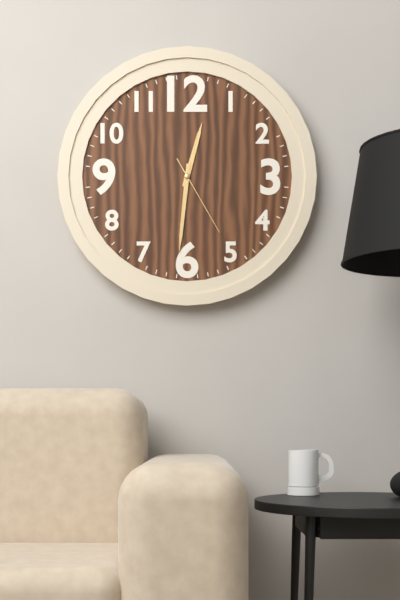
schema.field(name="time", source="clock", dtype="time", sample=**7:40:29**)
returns **12:31:25**
